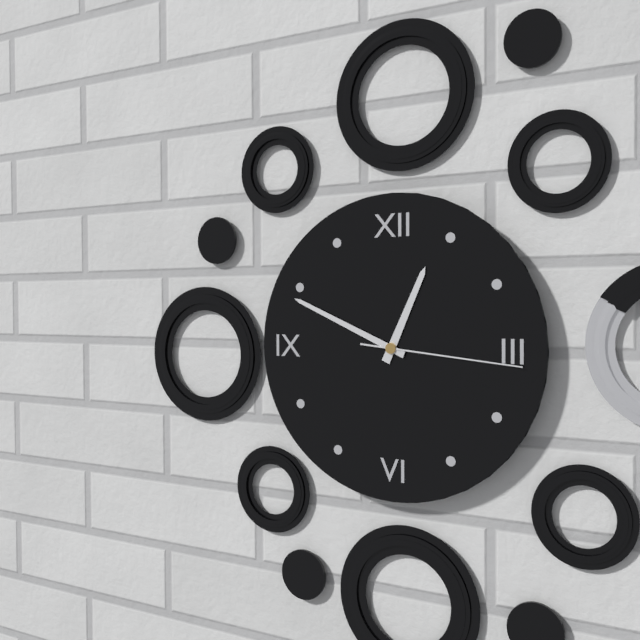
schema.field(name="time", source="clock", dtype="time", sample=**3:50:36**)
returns **12:49:16**
